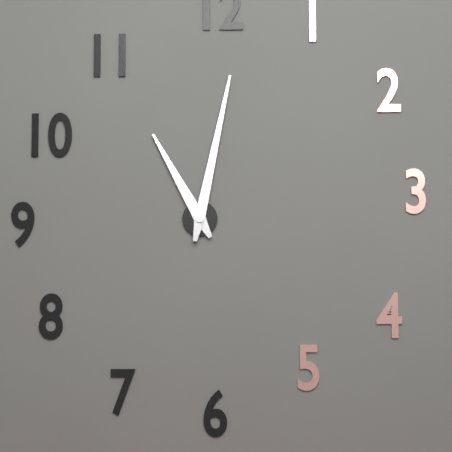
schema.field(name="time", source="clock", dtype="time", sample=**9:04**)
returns **11:02**
